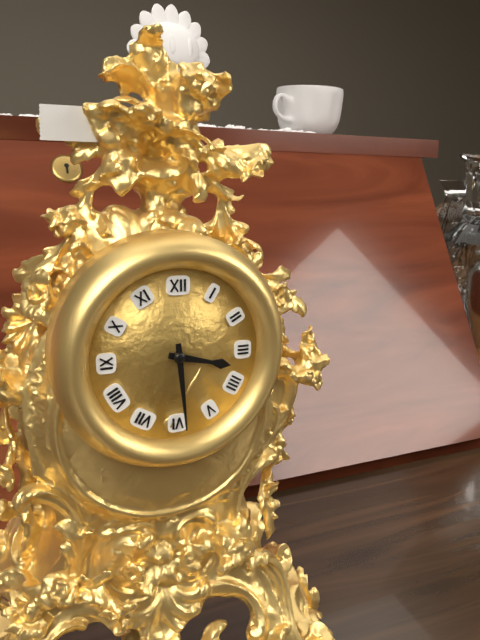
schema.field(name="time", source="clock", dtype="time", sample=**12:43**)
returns **3:29**
